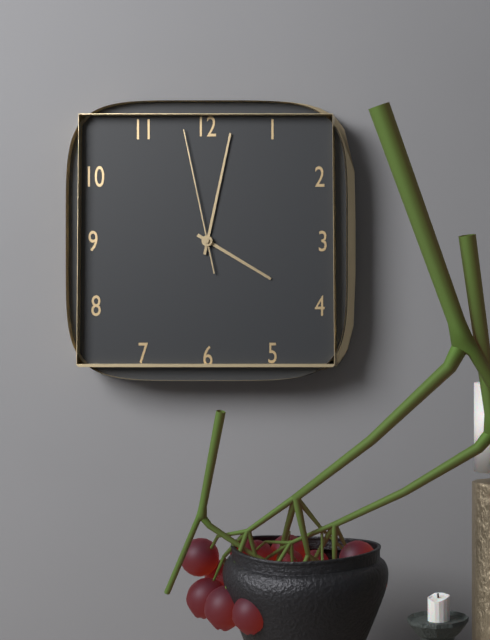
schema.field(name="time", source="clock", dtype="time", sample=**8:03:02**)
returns **4:02:58**
